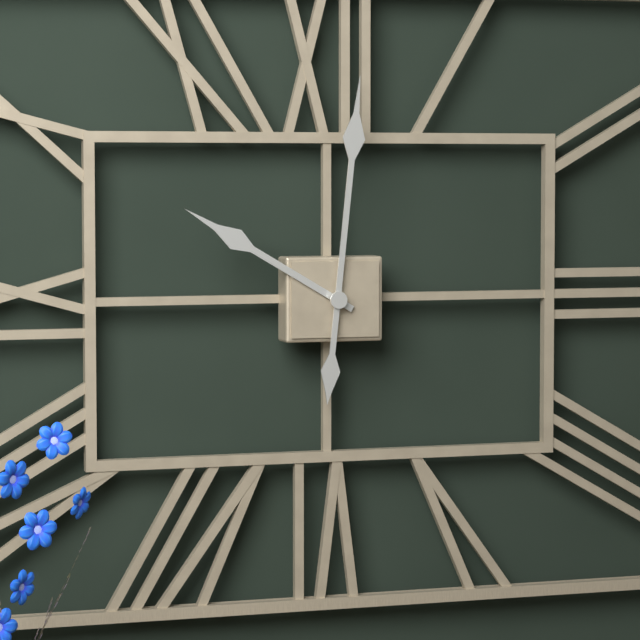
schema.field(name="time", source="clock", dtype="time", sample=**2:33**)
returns **10:01**
